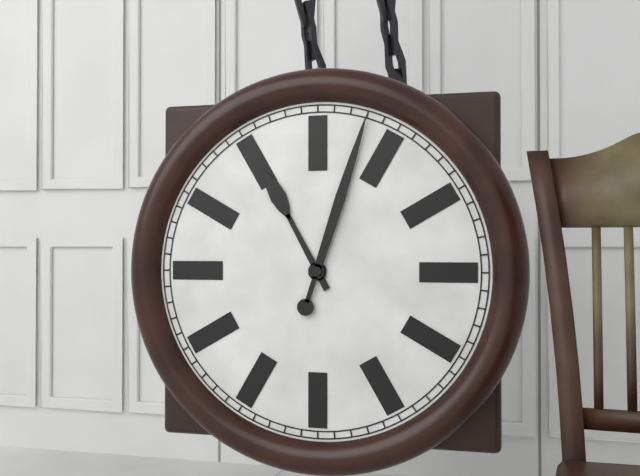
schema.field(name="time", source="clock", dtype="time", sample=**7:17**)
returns **11:03**
